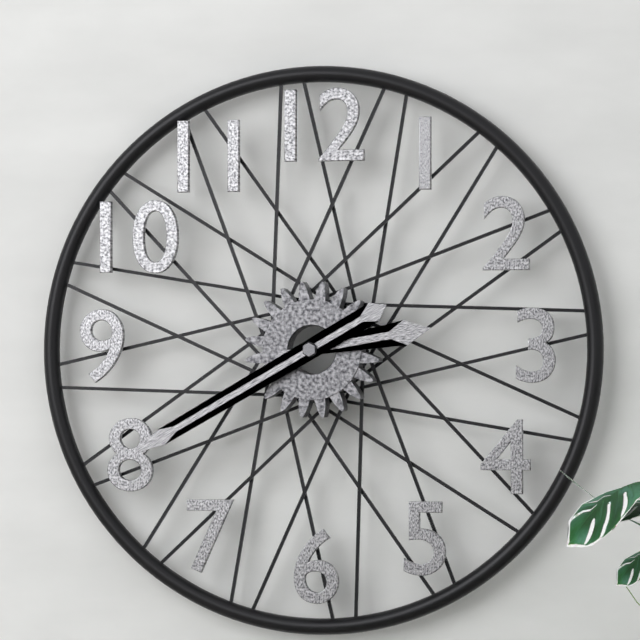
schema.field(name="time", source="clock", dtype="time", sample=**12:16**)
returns **2:40**
